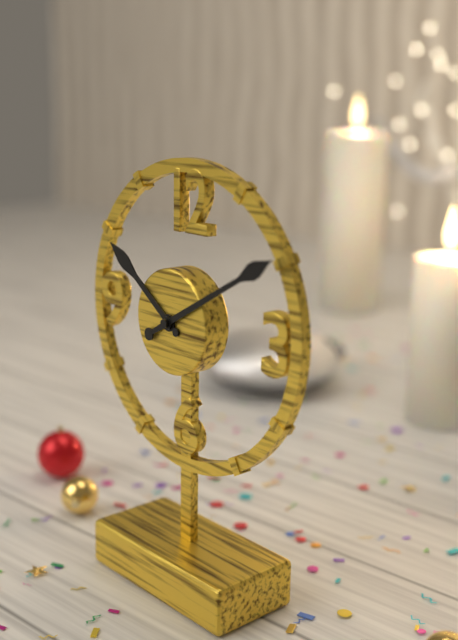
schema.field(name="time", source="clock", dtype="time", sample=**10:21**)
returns **10:10**
